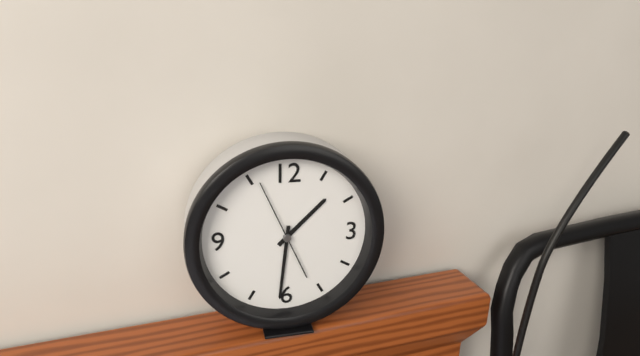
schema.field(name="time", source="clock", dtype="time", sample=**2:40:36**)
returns **1:31:56**
